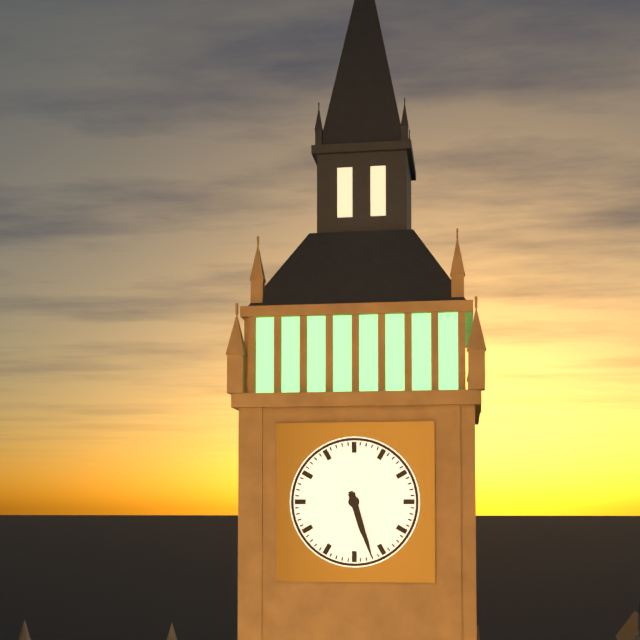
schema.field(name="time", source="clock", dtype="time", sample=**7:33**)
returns **5:27**
